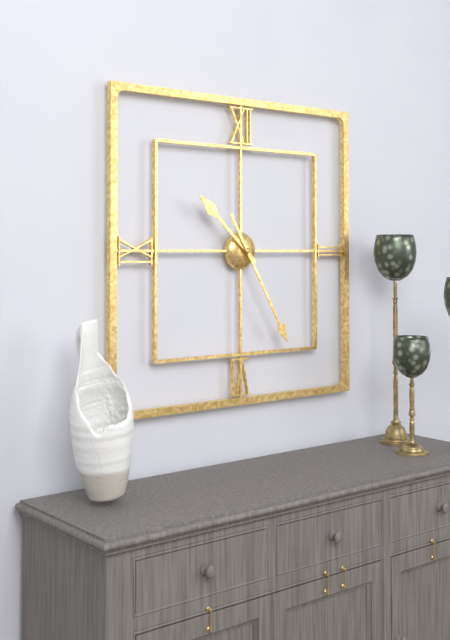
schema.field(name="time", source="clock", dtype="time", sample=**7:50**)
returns **10:25**
